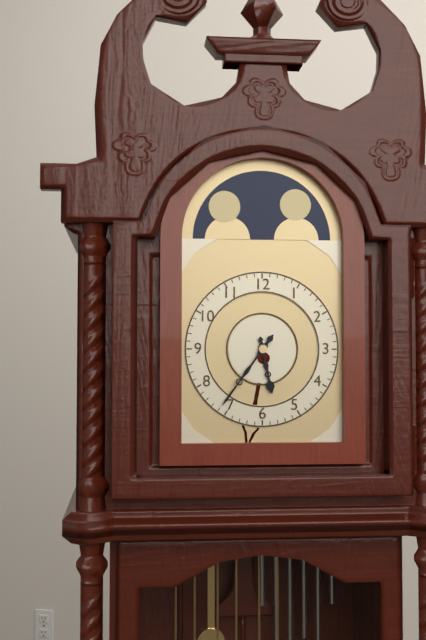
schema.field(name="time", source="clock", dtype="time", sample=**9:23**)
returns **5:36**
